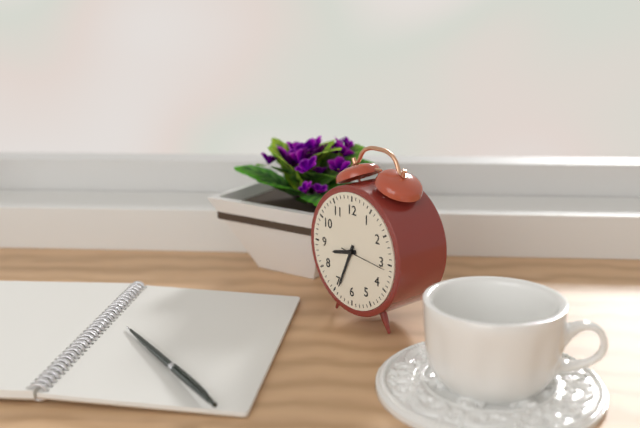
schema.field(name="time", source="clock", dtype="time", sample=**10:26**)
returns **8:34**
